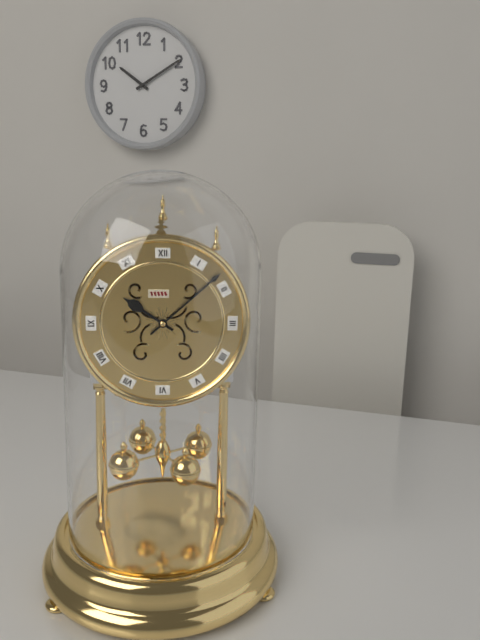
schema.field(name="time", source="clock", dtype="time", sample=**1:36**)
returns **10:08**
